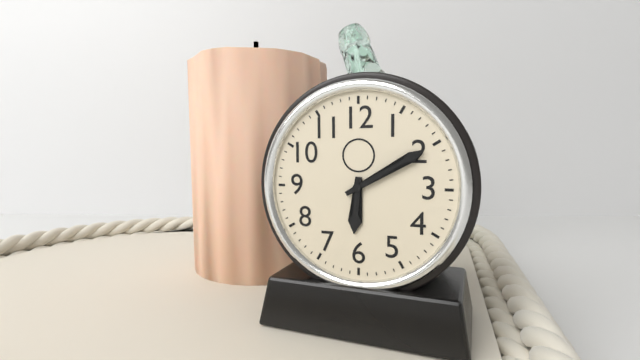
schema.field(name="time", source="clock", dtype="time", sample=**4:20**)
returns **6:10**
